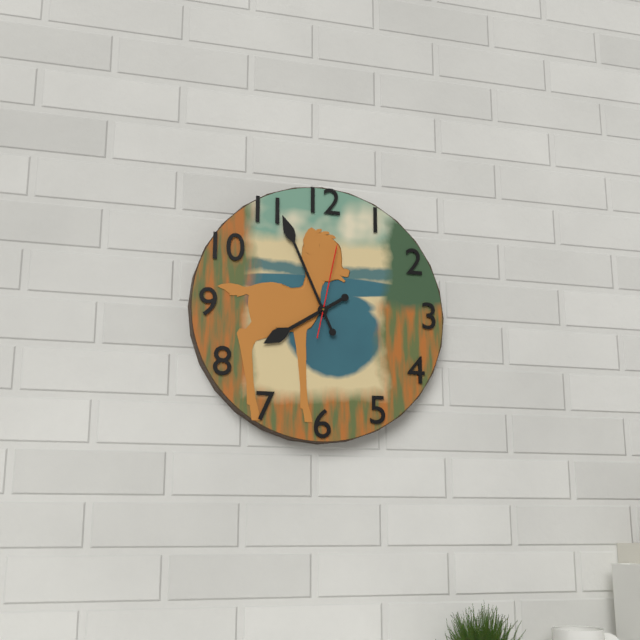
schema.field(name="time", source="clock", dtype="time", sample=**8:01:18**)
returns **7:56:02**
